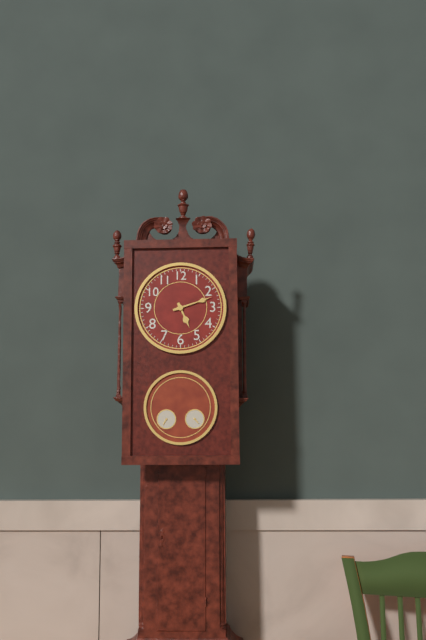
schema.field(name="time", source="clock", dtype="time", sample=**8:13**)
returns **5:12**
